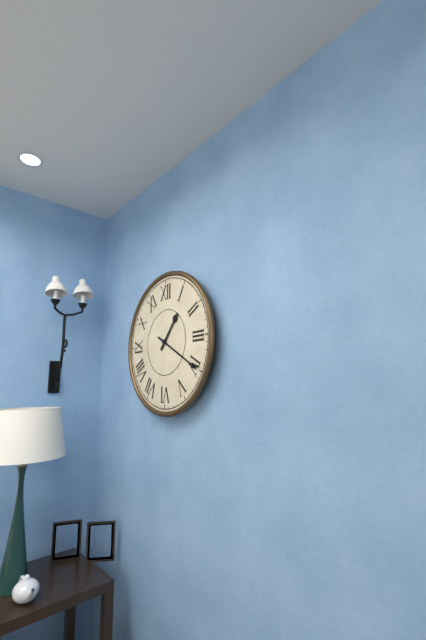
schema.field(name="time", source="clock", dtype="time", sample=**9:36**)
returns **1:20**
